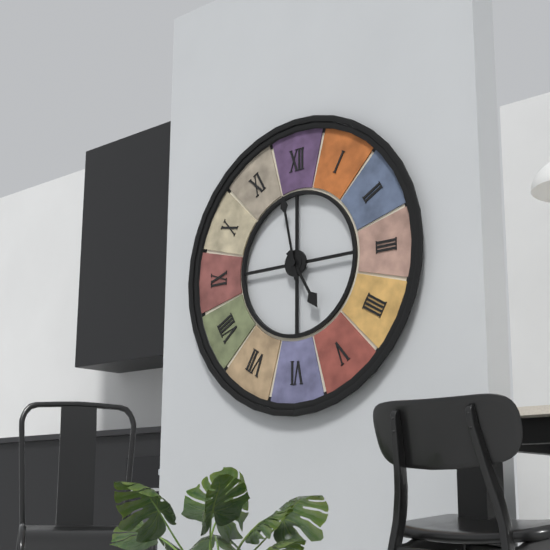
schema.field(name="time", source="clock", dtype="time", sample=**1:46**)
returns **4:58**
